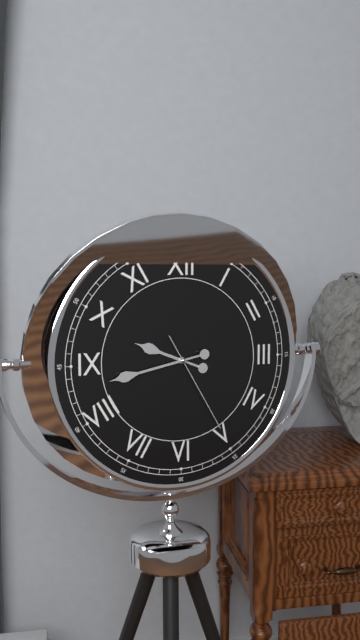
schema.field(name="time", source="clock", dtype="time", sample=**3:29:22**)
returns **9:43:25**
